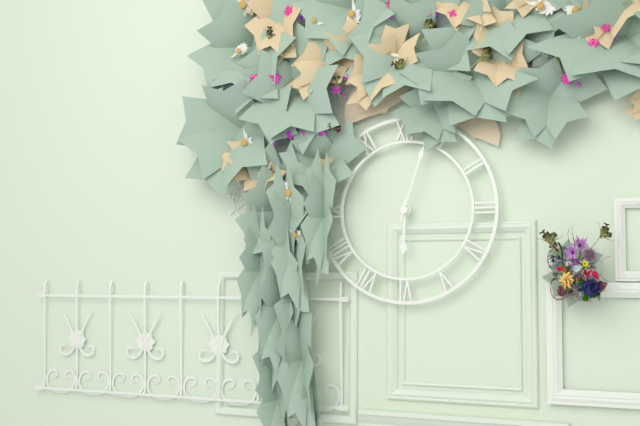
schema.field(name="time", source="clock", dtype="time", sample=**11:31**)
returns **6:03**
